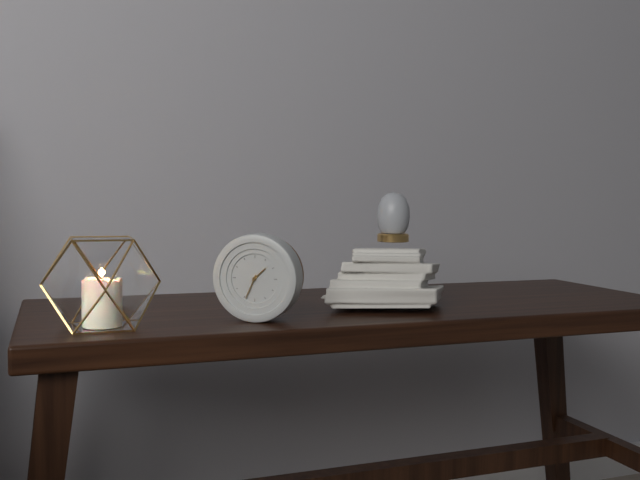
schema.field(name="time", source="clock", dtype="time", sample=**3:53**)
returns **1:34**
